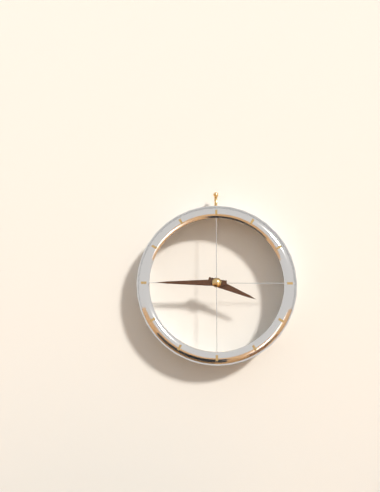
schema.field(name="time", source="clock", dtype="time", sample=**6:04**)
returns **3:45**
